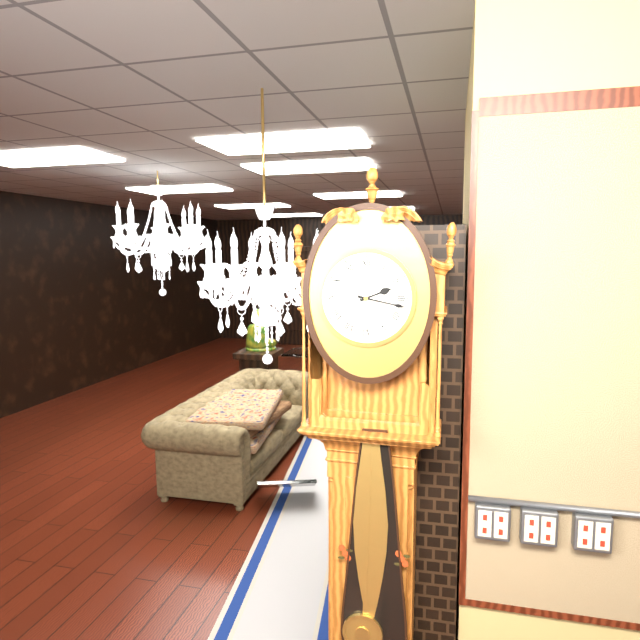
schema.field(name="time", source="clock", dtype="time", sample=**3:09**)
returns **2:17**
